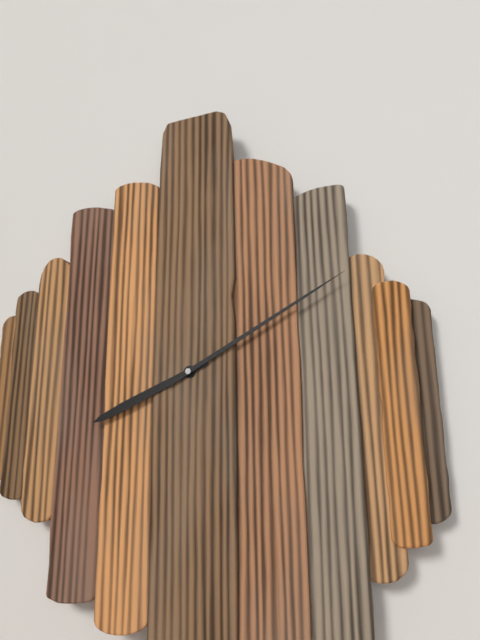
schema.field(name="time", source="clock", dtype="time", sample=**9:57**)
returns **8:10**
